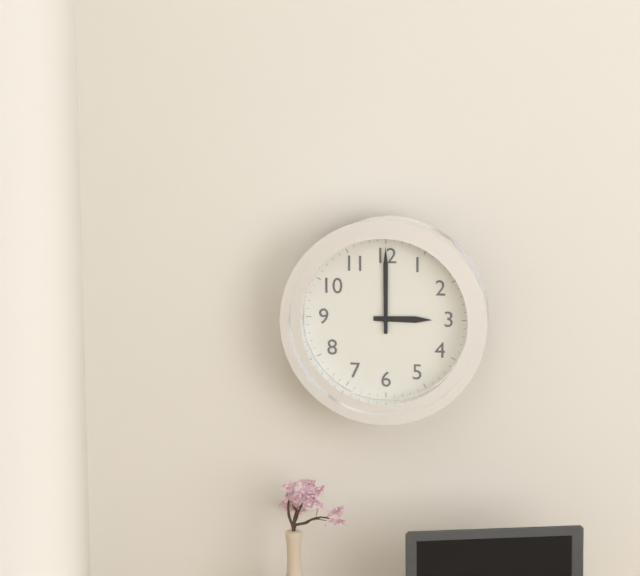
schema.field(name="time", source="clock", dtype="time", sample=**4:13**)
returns **3:00**
